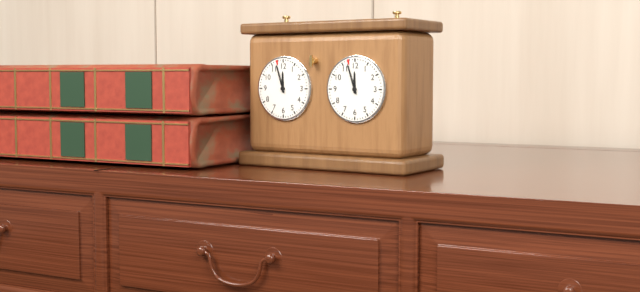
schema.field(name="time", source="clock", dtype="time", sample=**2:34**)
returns **11:57**
